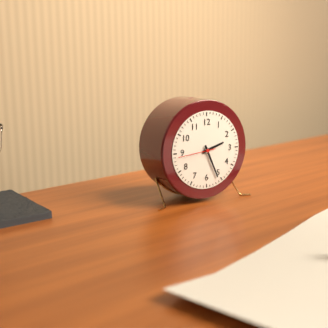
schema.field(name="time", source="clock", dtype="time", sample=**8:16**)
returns **2:26**
